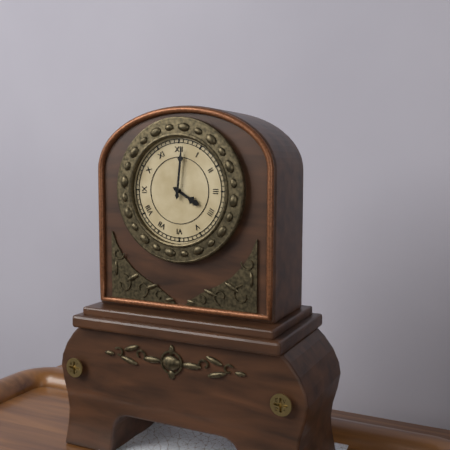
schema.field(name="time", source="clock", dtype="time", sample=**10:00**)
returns **4:01**
